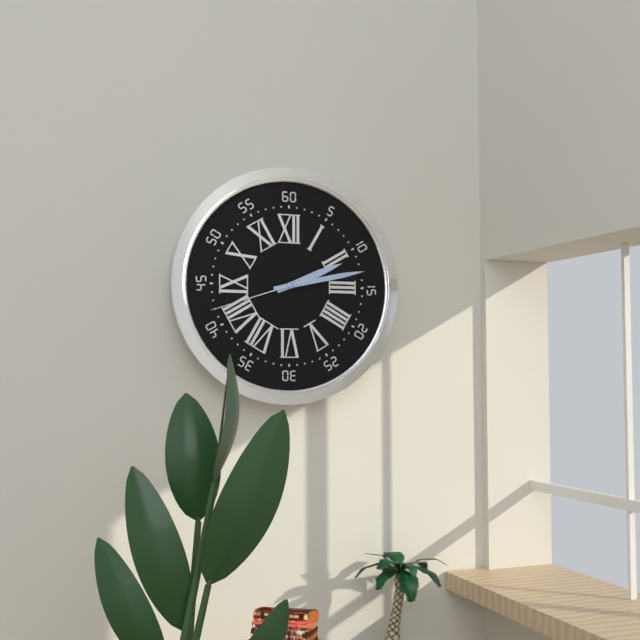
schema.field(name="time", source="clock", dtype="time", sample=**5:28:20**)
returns **2:13:42**
